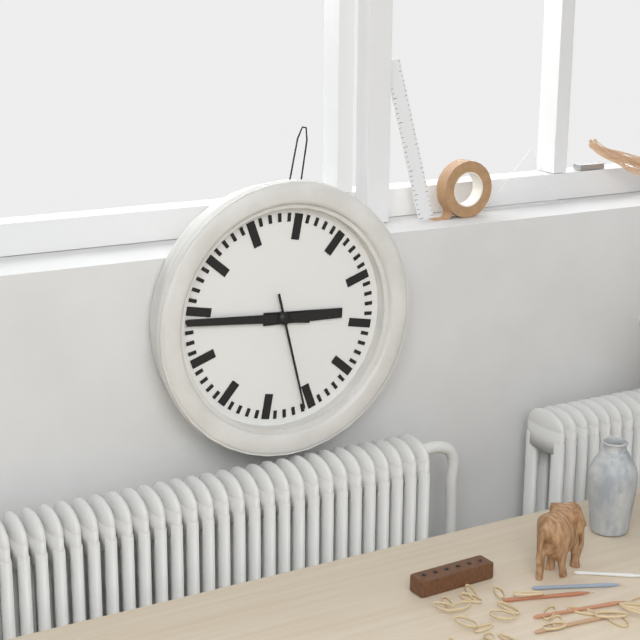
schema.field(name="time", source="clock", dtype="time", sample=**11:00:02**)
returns **2:44:26**
